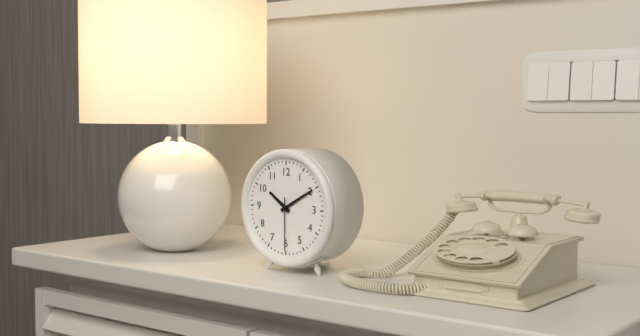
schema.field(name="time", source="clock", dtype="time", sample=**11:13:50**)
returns **10:10:30**
